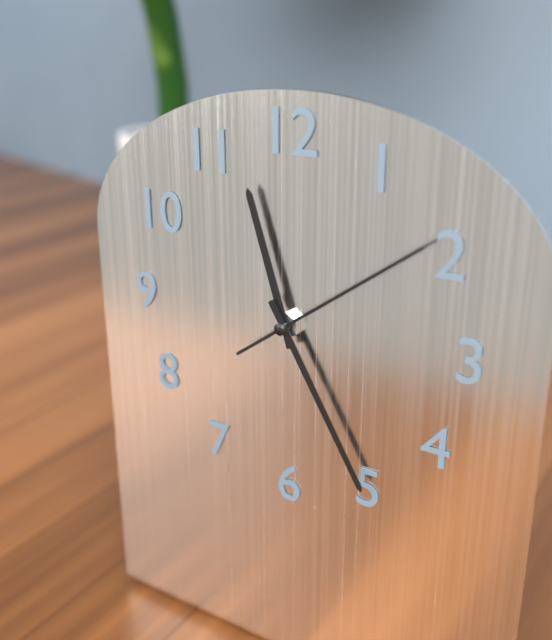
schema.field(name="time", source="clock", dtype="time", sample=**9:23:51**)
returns **11:25:09**
